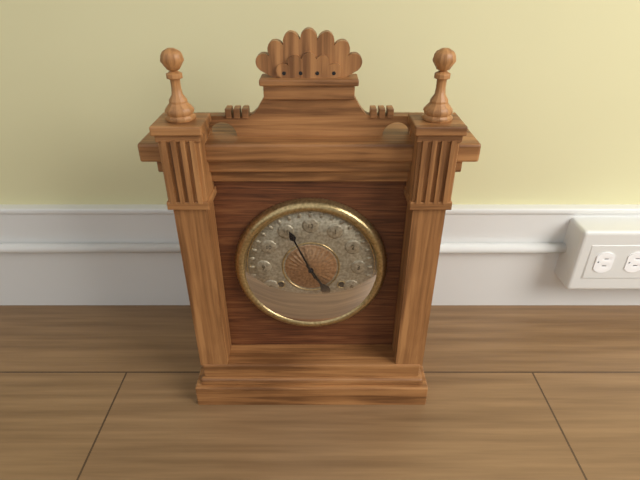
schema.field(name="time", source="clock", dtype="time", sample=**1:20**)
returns **4:56**
